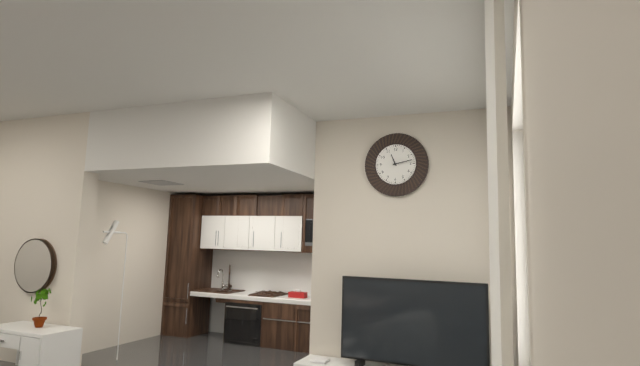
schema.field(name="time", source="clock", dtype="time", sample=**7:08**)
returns **11:13**
